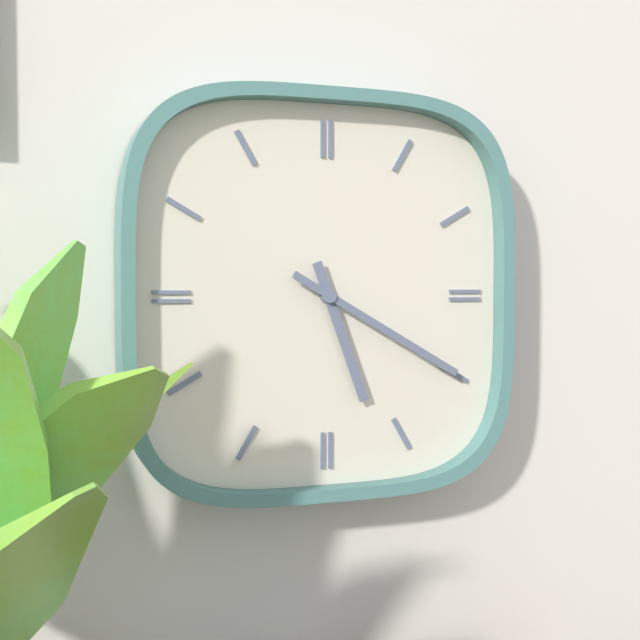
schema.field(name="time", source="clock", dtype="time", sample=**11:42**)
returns **5:20**
